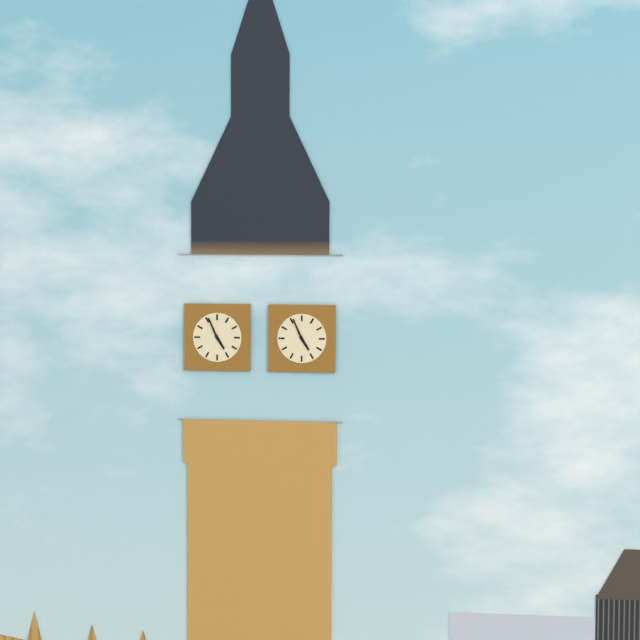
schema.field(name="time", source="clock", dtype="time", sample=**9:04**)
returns **4:56**
